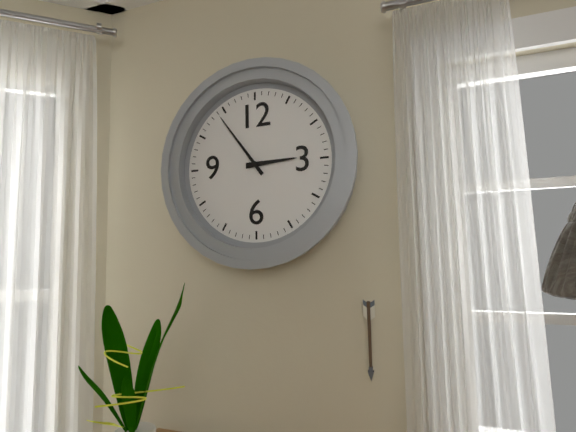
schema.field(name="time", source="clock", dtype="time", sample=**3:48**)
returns **2:54**
